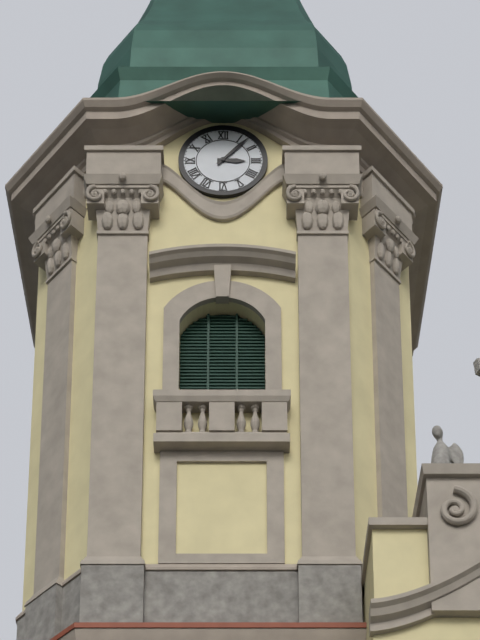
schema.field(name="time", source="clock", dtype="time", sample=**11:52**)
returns **3:07**
